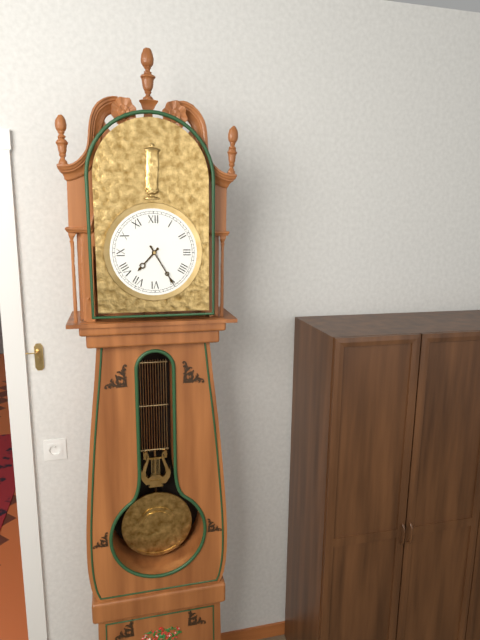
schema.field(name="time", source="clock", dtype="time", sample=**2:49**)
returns **7:25**
